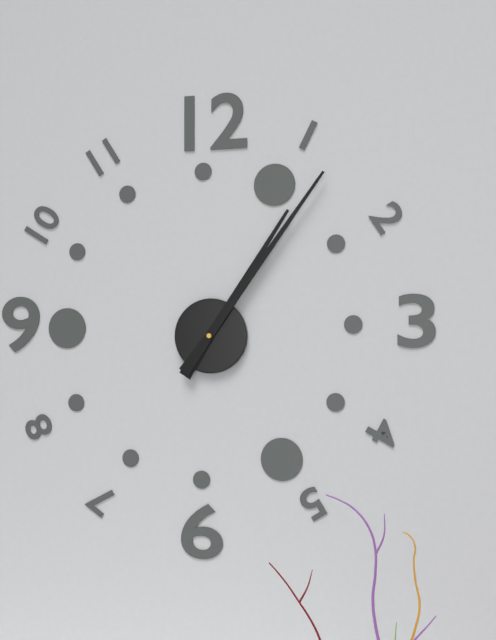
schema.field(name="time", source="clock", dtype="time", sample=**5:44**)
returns **1:06**
